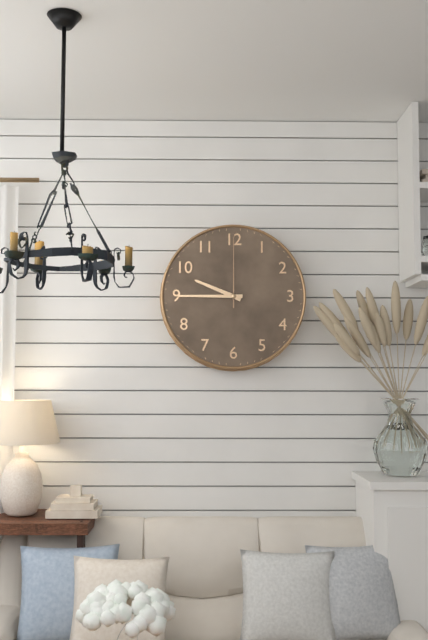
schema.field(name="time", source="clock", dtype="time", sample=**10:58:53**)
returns **9:45:00**
